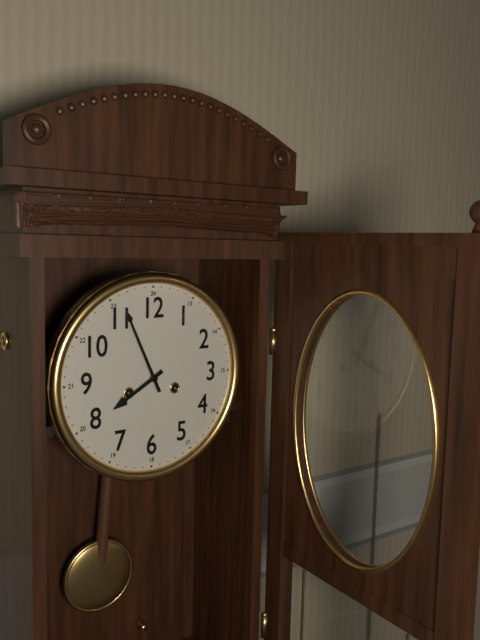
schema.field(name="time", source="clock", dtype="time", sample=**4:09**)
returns **7:56**
